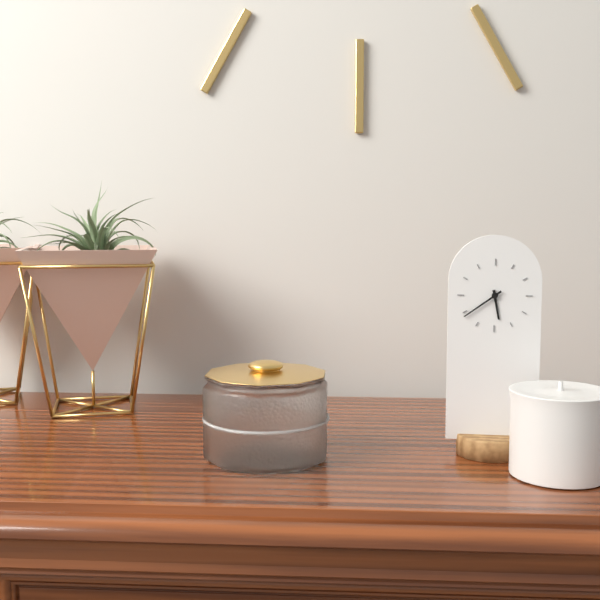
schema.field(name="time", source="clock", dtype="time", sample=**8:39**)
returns **5:39**
